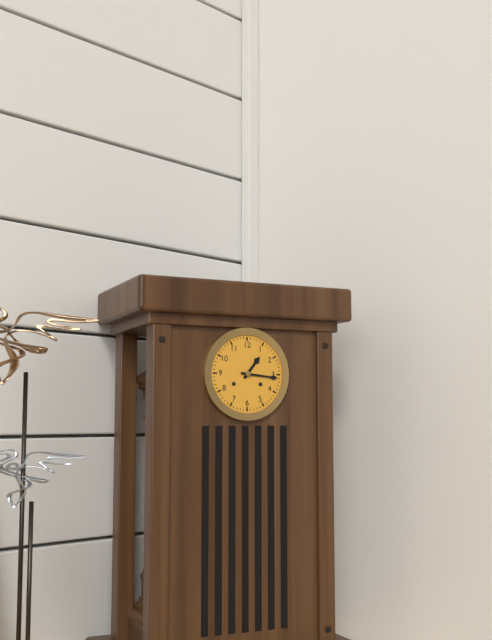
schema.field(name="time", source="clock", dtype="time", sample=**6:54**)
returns **1:16**
